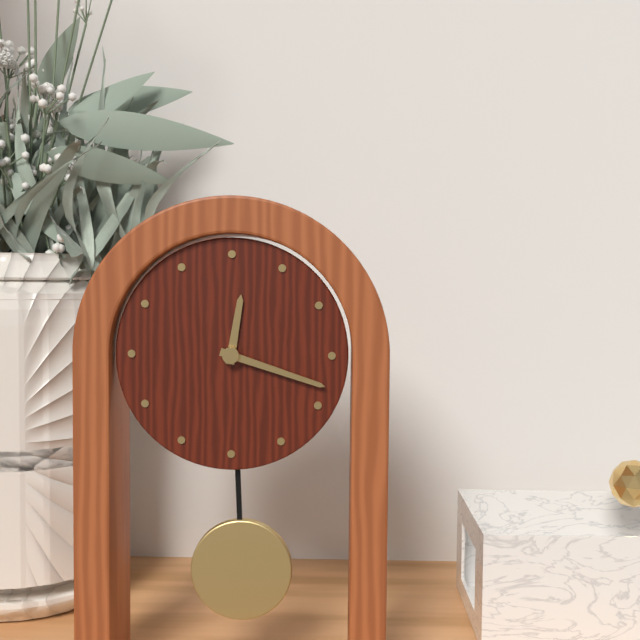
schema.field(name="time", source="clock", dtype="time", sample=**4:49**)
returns **12:18**
